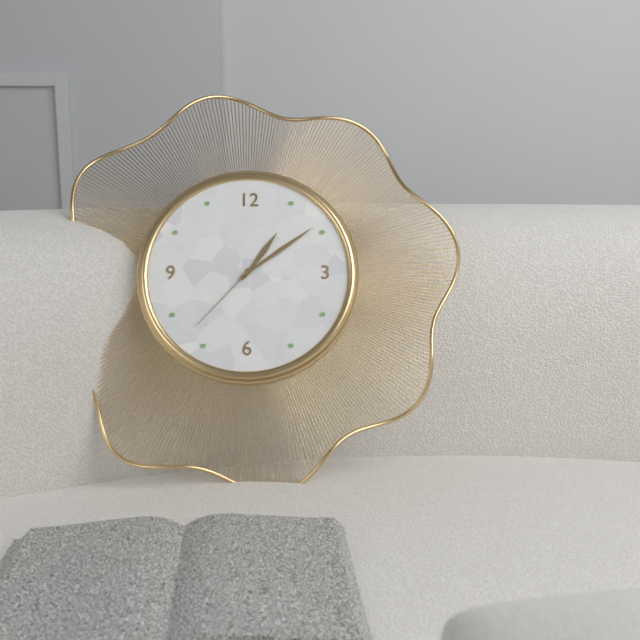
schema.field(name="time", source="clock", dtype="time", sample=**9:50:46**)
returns **1:09:37**
